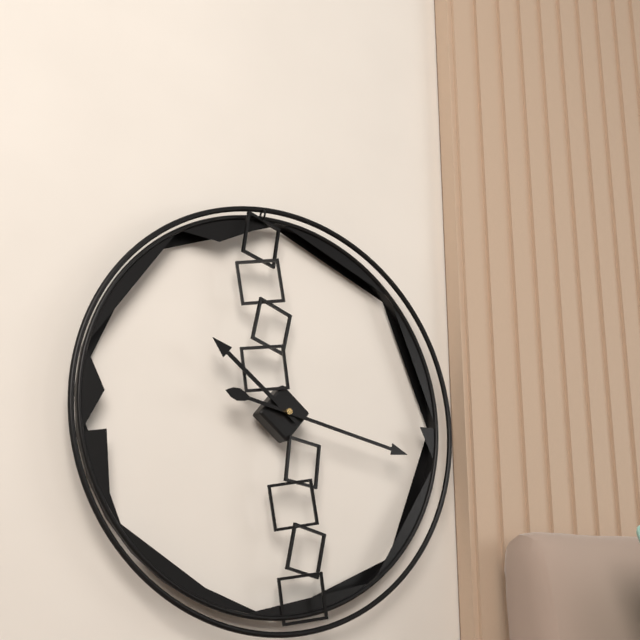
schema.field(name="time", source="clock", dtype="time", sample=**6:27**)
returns **10:17**
